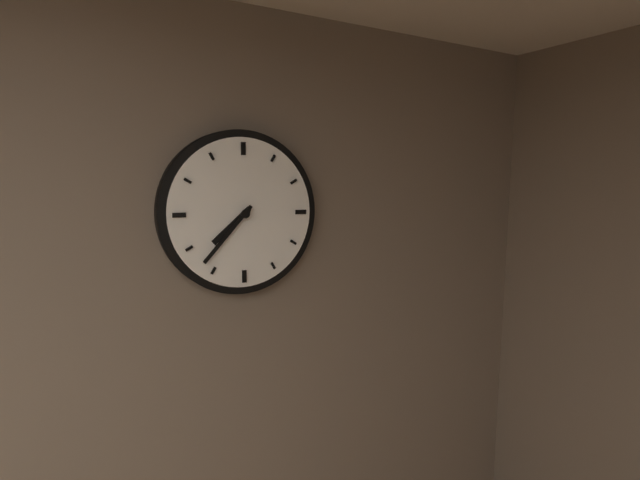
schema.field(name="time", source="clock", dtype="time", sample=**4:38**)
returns **7:37**
